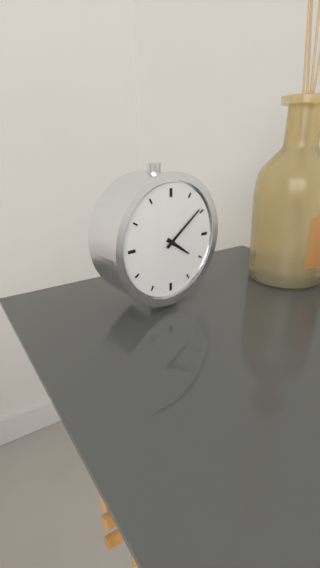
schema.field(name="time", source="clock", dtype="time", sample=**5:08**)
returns **4:09**
